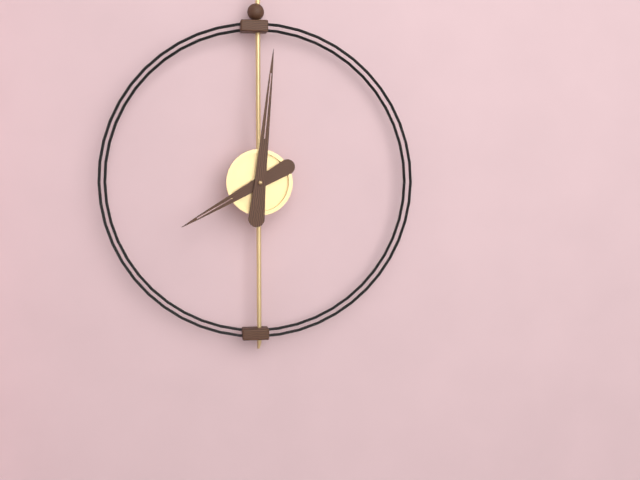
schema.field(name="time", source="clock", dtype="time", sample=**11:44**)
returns **8:01**
